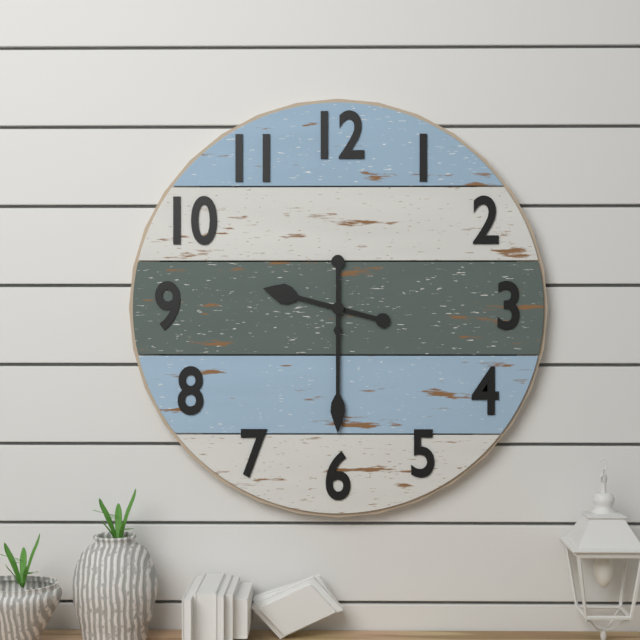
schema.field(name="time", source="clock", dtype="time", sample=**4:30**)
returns **9:30**
